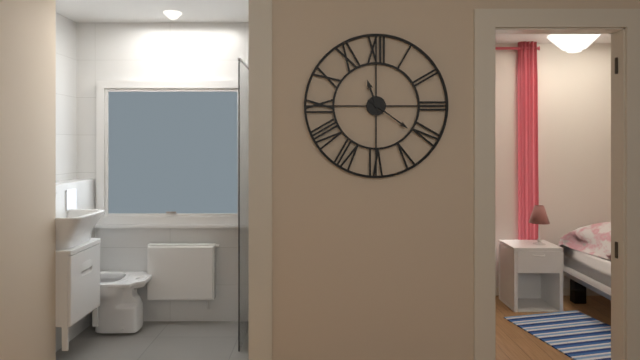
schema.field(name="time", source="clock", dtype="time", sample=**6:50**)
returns **11:21**
